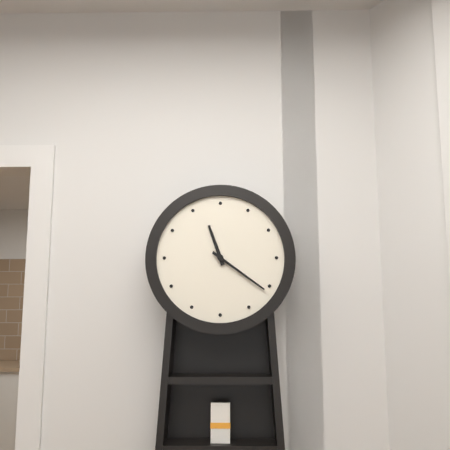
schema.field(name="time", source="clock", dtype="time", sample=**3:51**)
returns **11:21**
